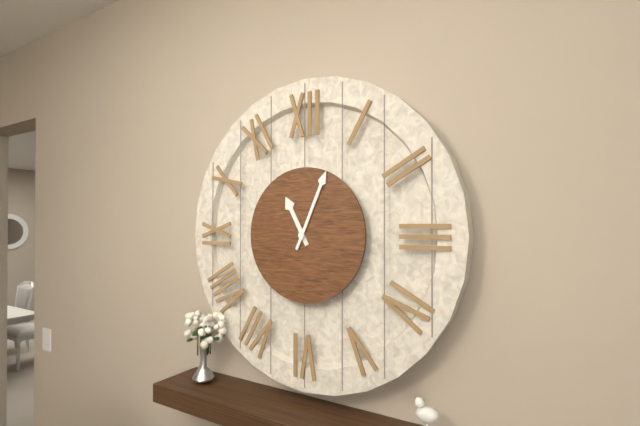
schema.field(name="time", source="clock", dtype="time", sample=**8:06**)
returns **11:04**
